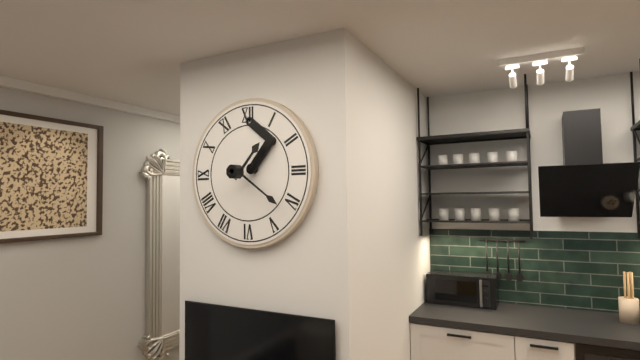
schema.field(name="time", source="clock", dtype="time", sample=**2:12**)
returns **1:21**
